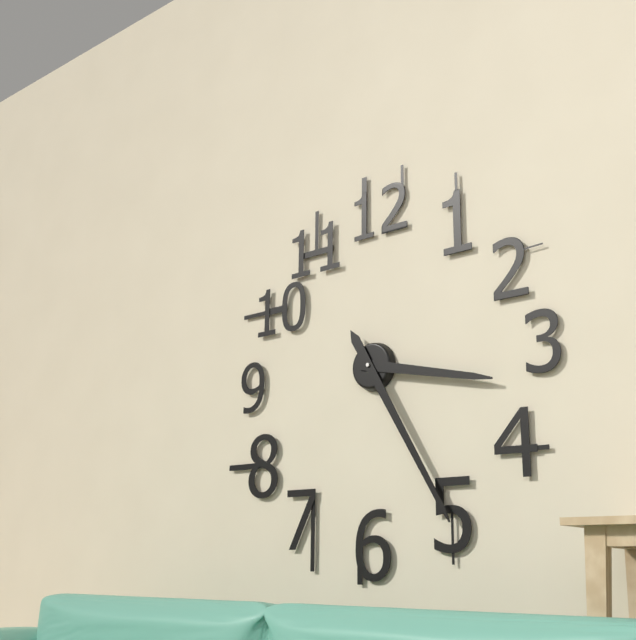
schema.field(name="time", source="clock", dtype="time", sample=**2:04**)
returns **3:25**
